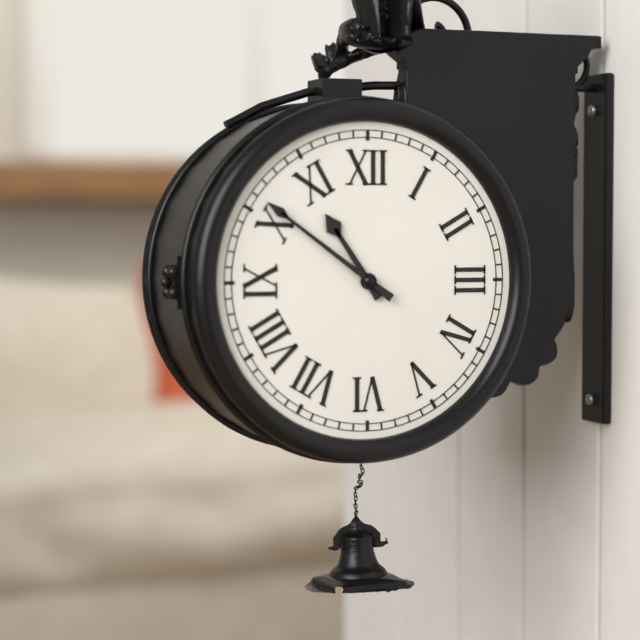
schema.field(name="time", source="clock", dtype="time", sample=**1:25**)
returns **10:51**
